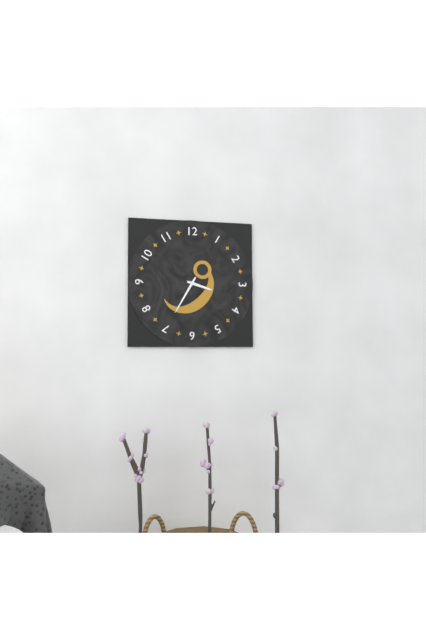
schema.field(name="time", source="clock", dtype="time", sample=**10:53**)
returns **3:35**
